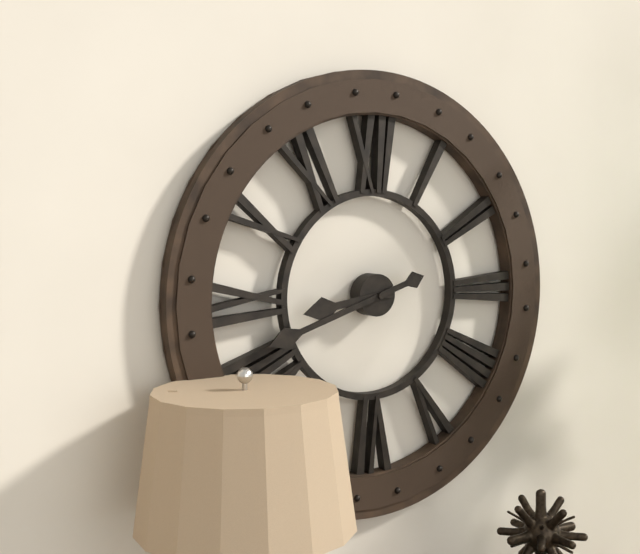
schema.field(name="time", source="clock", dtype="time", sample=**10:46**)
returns **8:42**
